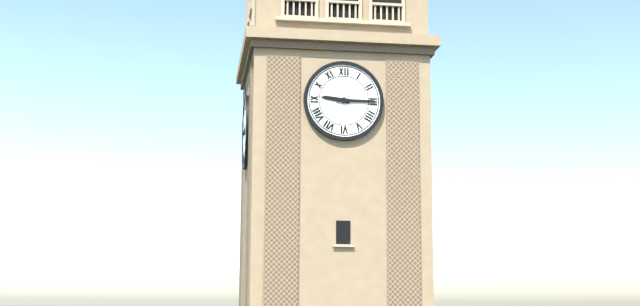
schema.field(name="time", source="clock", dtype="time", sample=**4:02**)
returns **9:15**
